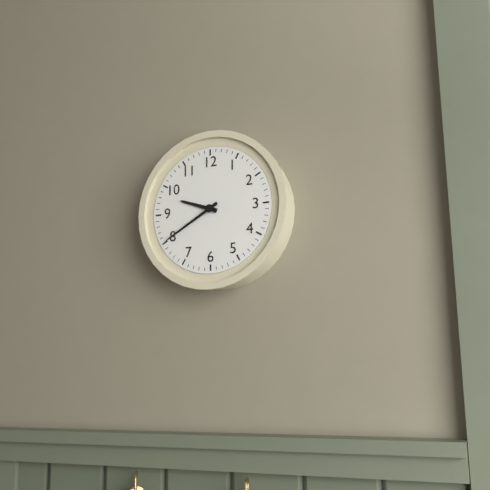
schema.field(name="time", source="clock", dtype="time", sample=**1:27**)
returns **9:40**
